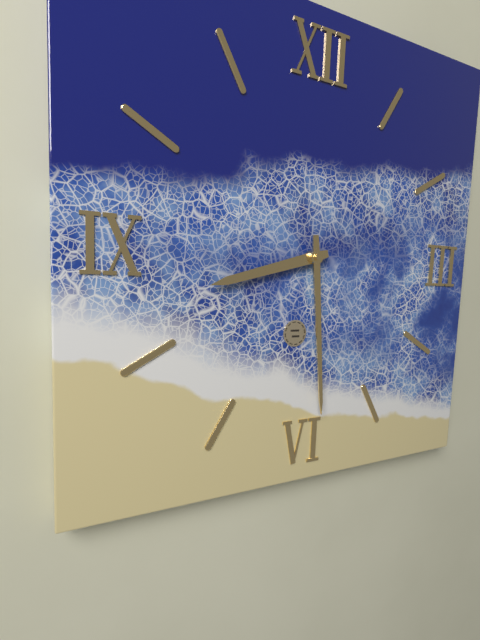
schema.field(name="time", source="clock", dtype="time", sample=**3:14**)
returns **8:29**
